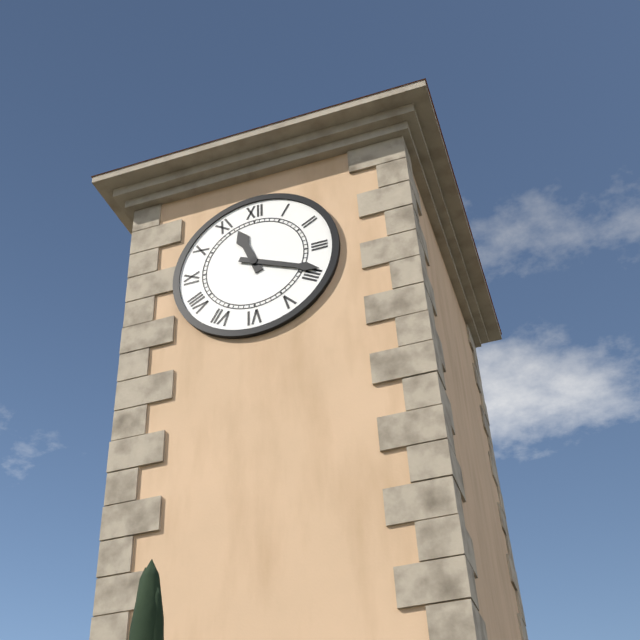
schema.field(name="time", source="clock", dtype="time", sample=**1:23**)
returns **11:19**
